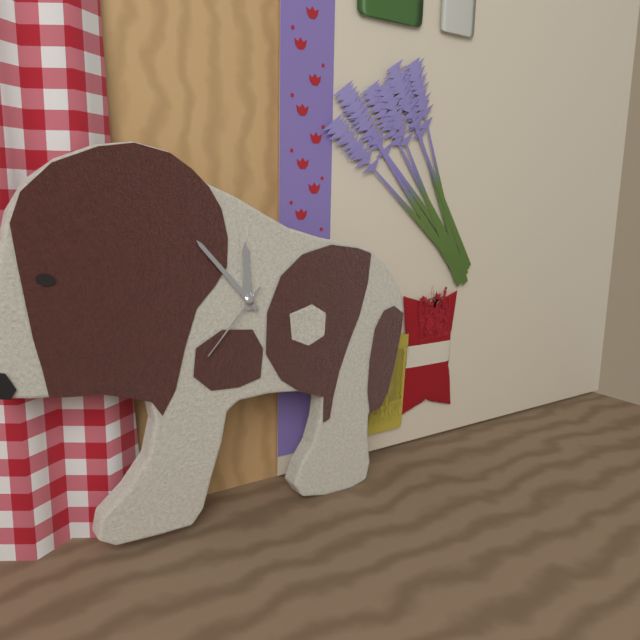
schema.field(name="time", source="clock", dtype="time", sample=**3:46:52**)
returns **11:53:37**
